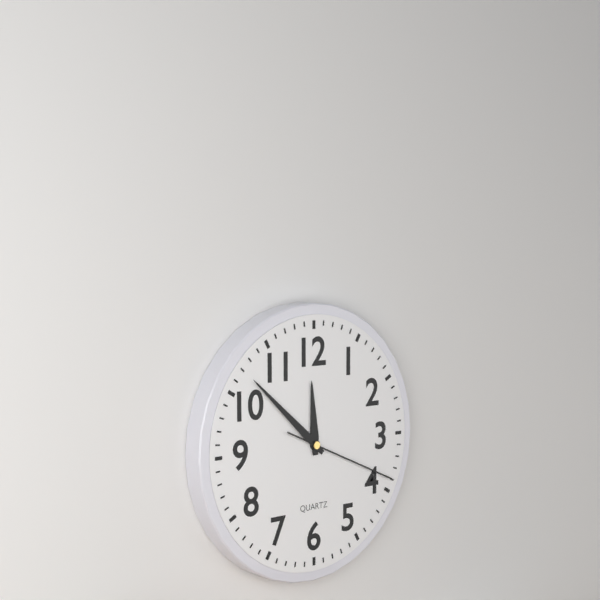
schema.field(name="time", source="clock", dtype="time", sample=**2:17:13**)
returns **11:52:19**
